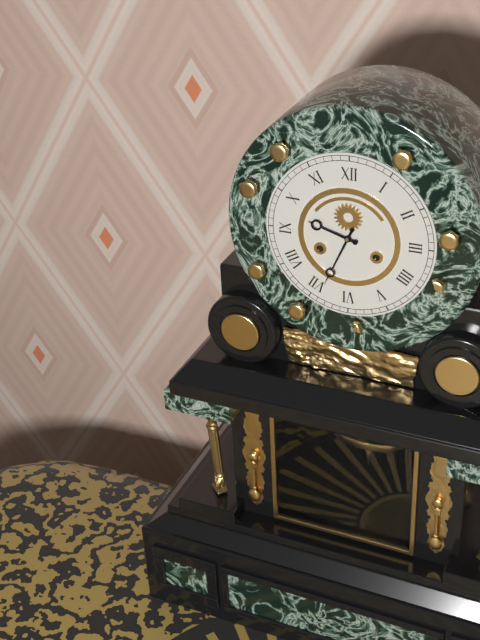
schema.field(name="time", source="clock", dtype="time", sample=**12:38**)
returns **9:34**
